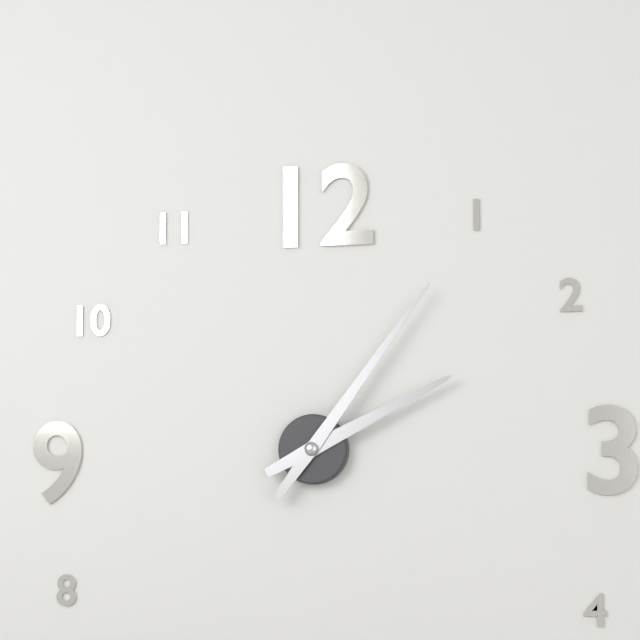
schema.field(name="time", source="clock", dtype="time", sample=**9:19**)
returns **2:06**
